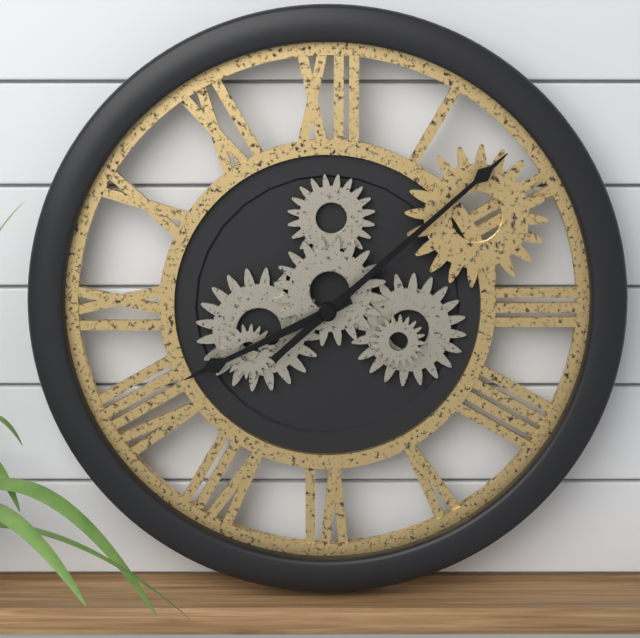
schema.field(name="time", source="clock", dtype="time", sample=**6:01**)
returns **8:08**
